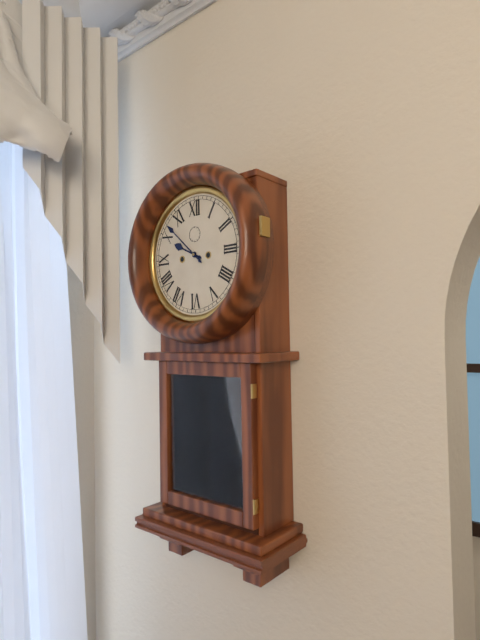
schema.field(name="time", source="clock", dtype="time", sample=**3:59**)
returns **9:52**
